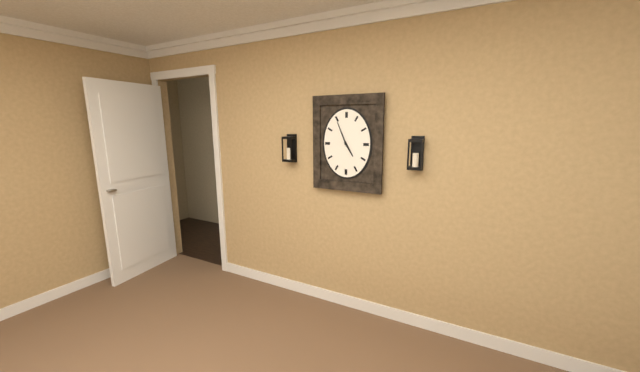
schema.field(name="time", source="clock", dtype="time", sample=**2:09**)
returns **4:56**
